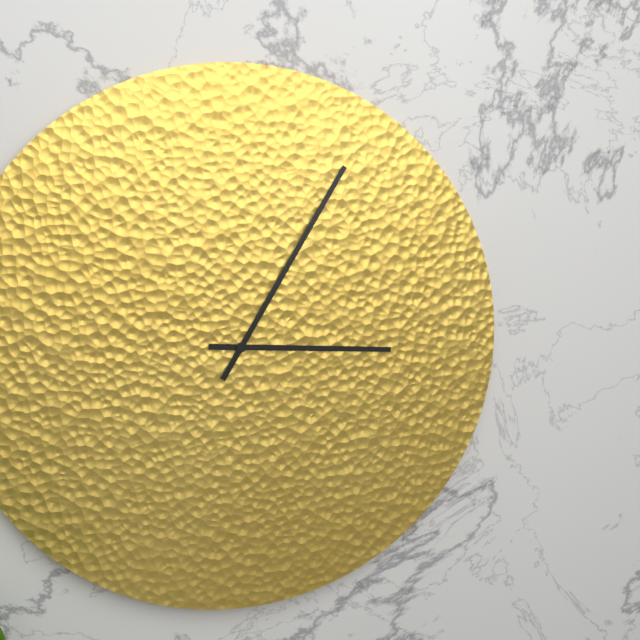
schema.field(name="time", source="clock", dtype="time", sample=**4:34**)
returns **3:05**
